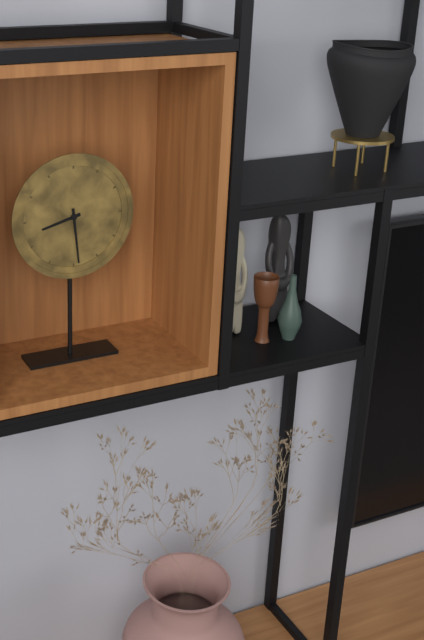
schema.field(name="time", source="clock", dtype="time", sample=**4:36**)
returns **8:29**
